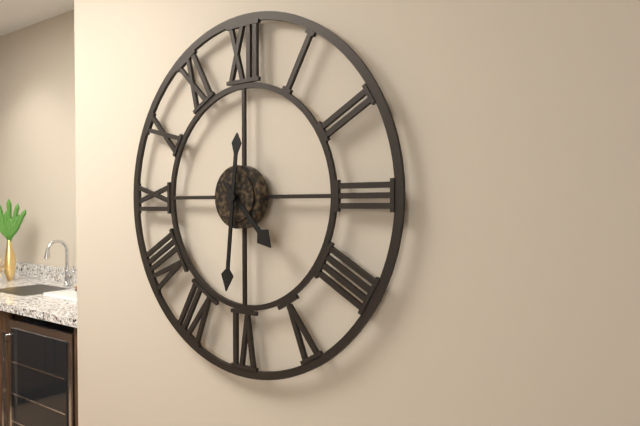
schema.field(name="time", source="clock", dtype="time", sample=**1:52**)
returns **4:31**
